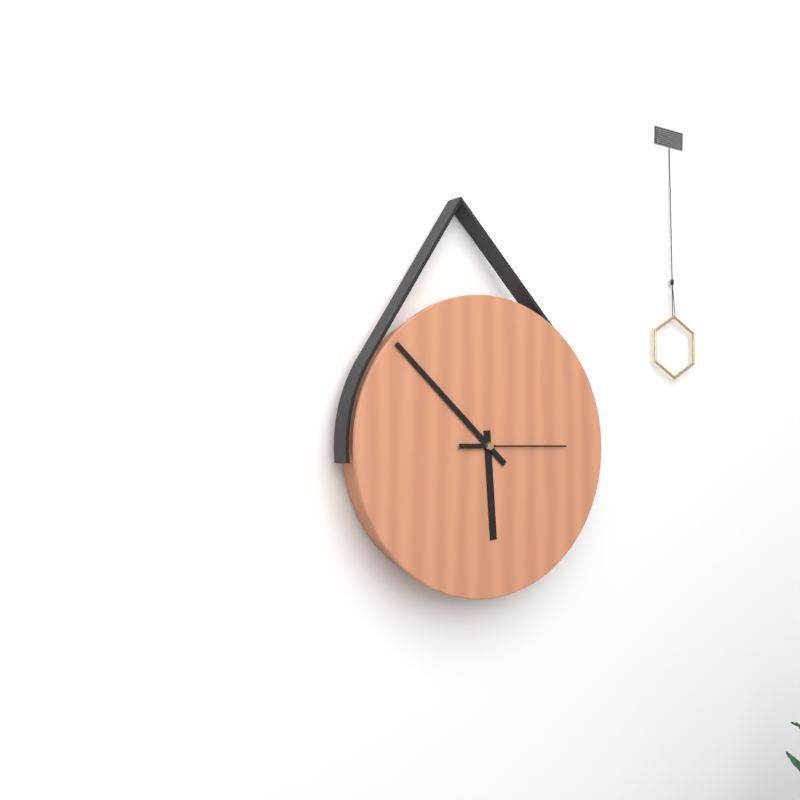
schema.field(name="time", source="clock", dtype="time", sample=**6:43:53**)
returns **5:52:15**
